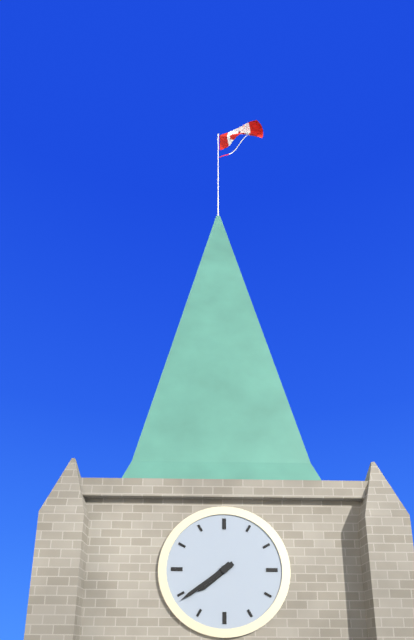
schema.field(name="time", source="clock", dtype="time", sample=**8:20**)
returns **7:39**
